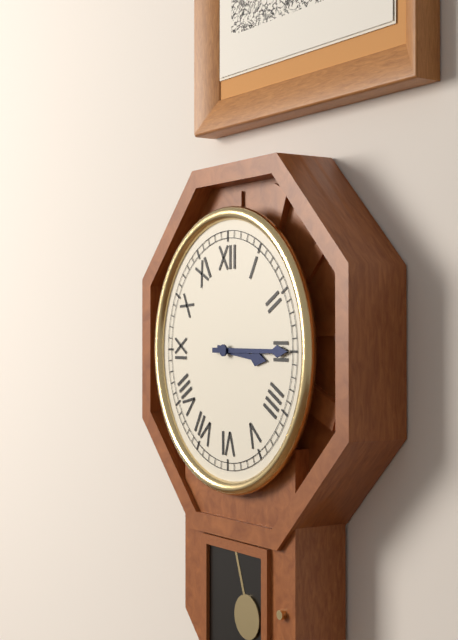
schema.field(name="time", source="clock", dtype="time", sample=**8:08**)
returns **3:15**
